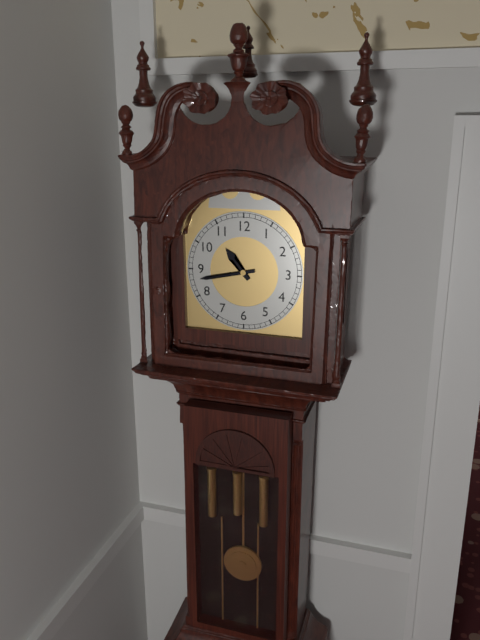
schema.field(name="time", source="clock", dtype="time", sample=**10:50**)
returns **10:43**
